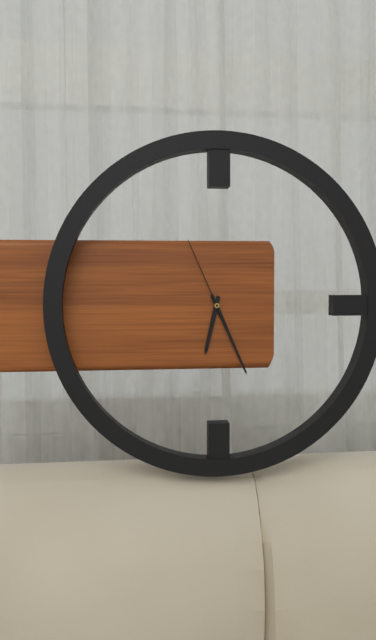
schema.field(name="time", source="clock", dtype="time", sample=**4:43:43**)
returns **6:26:56**
